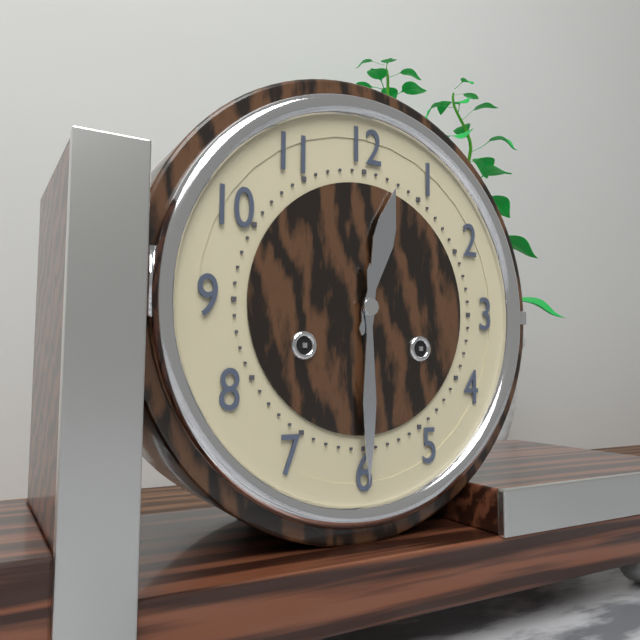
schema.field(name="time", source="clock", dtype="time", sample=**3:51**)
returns **12:30**
